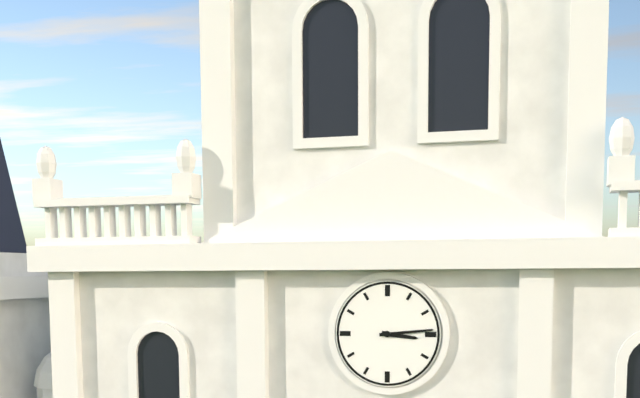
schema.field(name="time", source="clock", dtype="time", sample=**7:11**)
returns **3:14**
